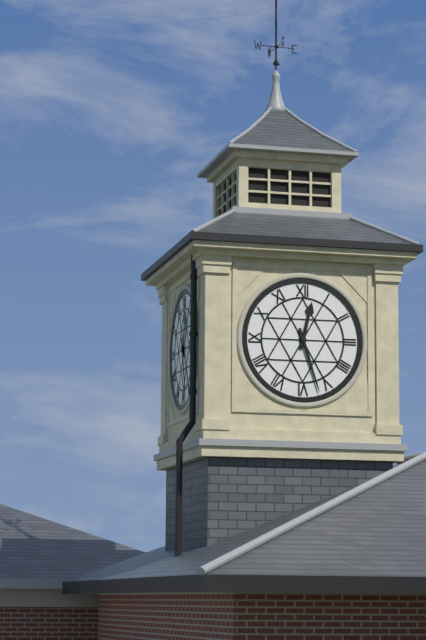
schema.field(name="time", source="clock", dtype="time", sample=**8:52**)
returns **12:27**
